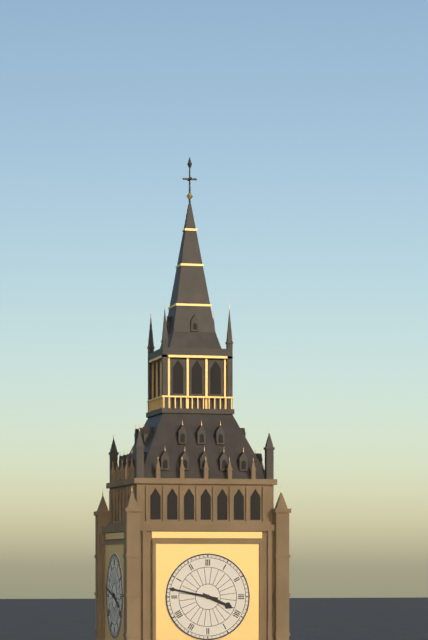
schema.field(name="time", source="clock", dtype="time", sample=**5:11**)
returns **3:47**
